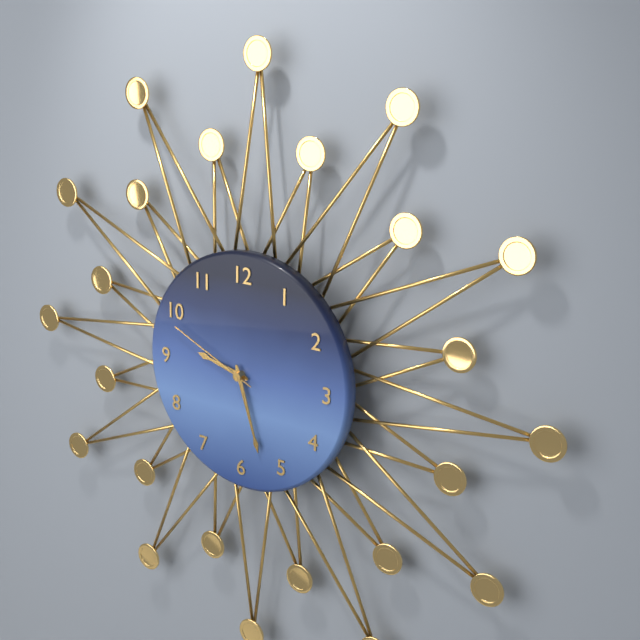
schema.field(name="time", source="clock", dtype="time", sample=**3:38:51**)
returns **9:27:49**
